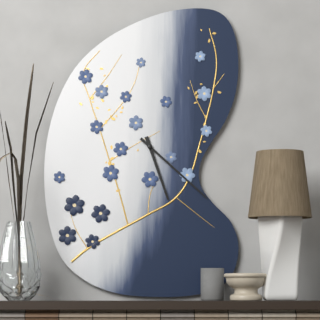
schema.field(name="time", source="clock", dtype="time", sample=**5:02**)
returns **5:22**
